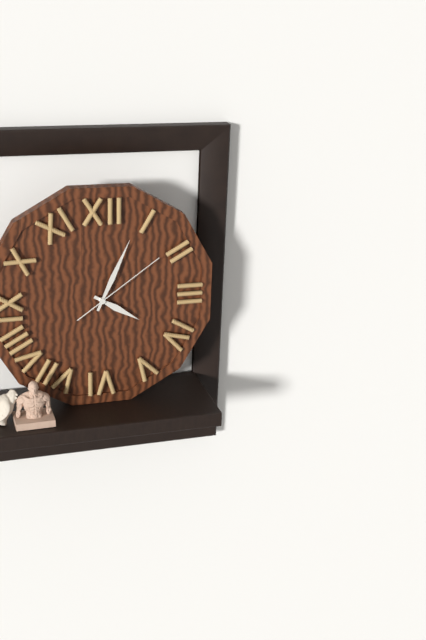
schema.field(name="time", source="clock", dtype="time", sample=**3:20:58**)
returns **4:04:09**
